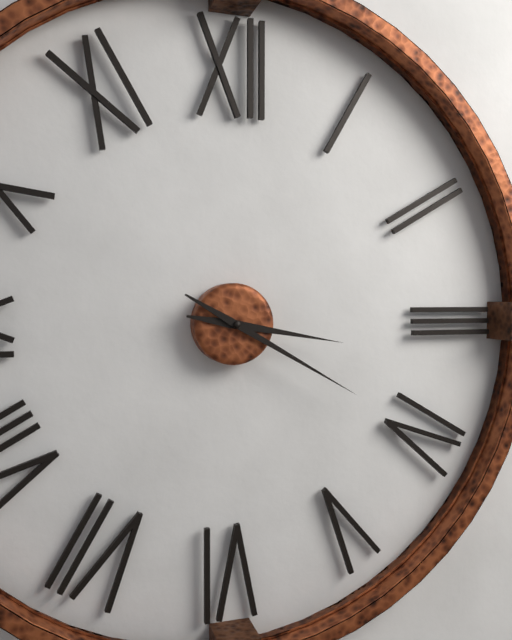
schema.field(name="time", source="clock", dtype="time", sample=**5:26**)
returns **3:20**
